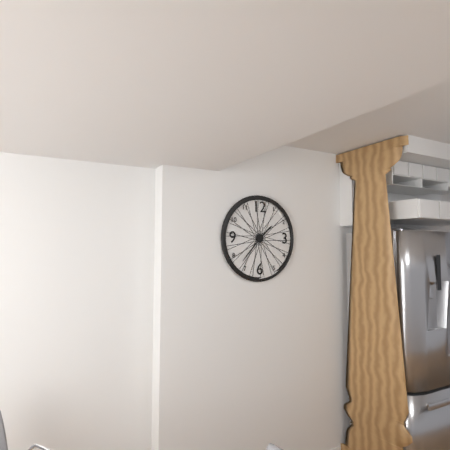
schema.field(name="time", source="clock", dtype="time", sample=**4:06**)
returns **1:37**
